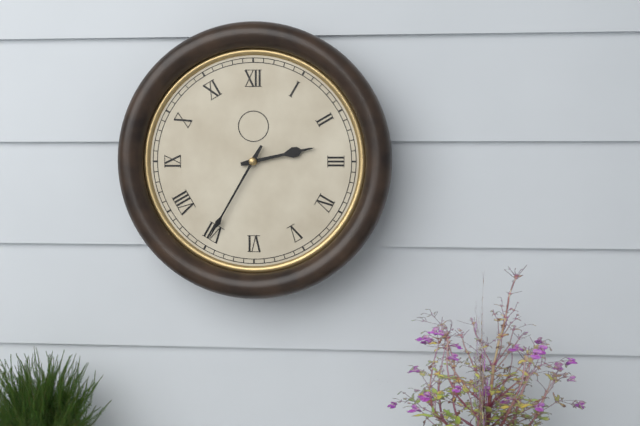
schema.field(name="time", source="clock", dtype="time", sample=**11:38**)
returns **2:35**
